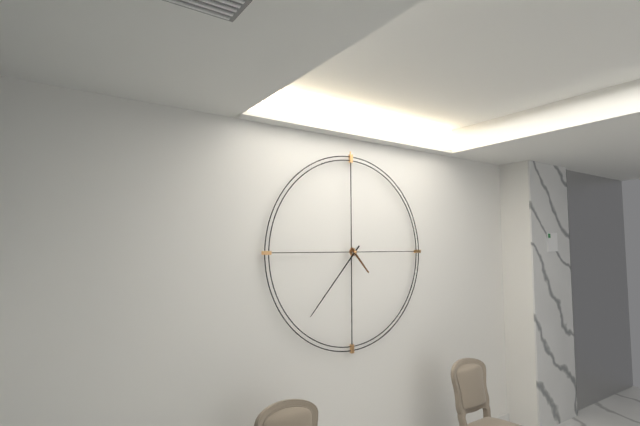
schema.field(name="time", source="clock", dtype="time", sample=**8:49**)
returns **4:37**
